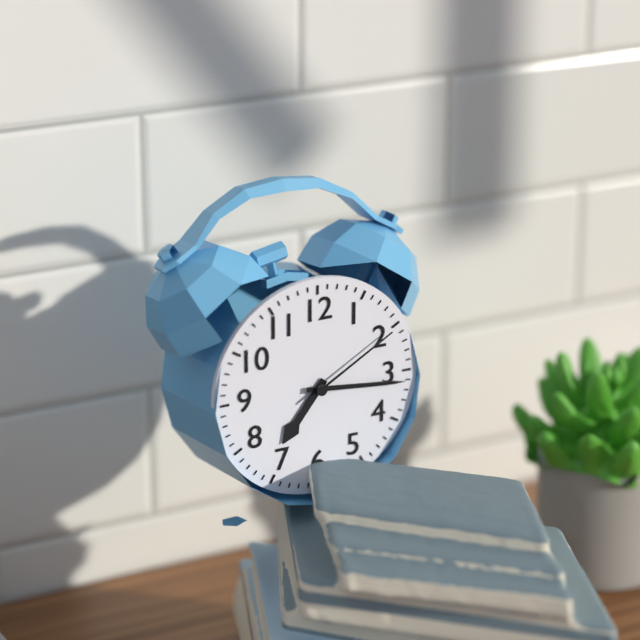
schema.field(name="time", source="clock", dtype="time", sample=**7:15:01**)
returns **7:16:10**
